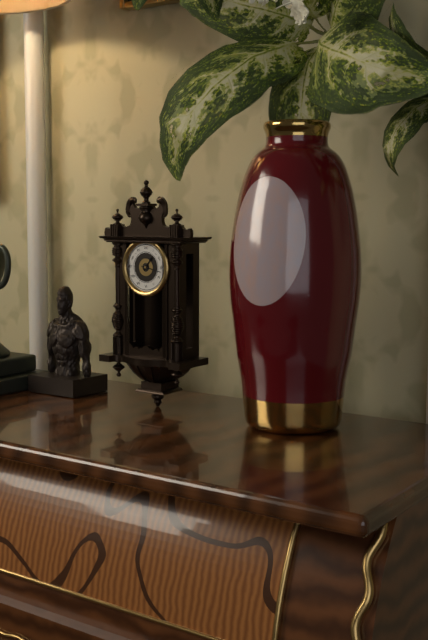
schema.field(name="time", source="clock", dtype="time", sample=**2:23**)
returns **1:17**
